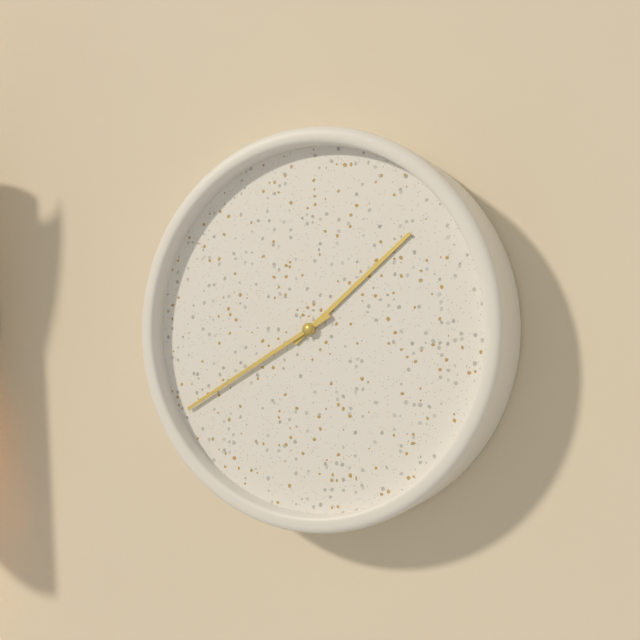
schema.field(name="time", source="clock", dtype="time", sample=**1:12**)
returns **1:40**
